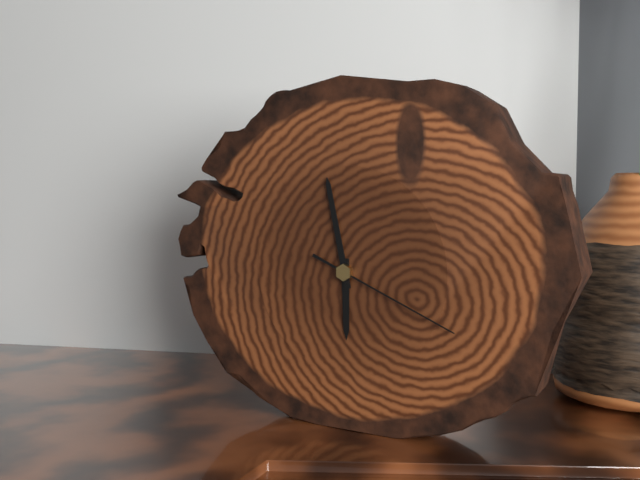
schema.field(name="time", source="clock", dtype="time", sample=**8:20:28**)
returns **5:58:19**
